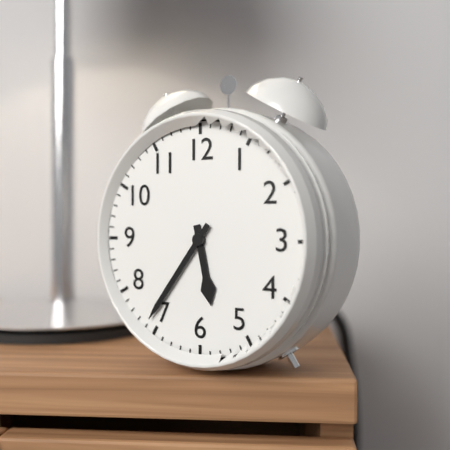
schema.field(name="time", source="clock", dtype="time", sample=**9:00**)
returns **5:36**
